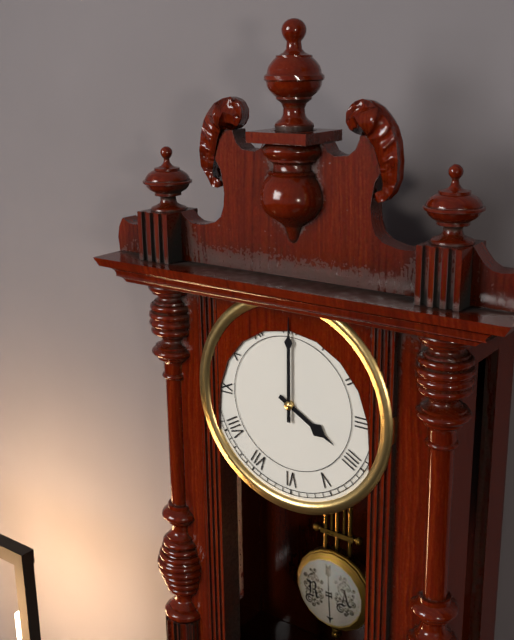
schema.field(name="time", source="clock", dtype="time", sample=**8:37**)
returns **4:00**
